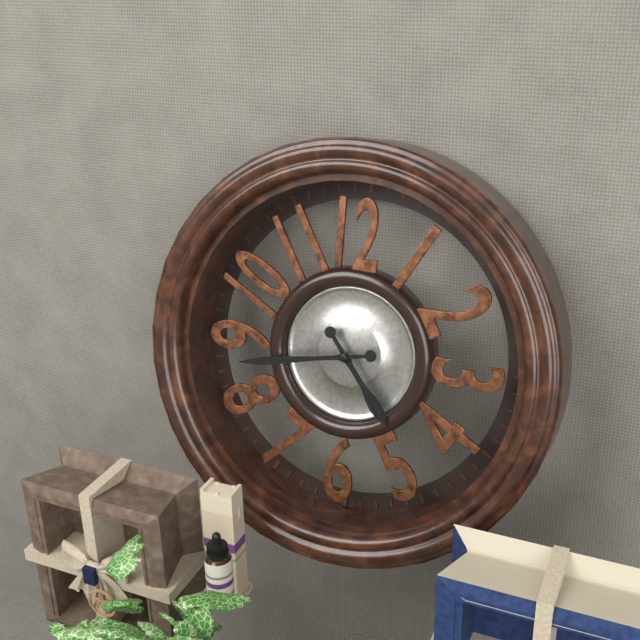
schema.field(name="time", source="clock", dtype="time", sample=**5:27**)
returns **4:43**
